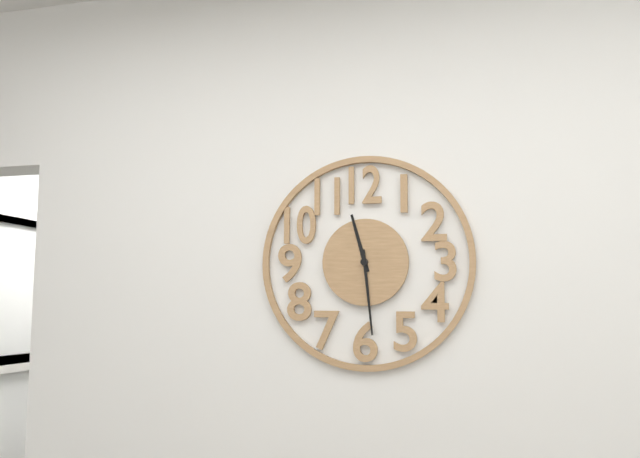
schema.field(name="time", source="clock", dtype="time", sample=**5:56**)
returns **11:29**
